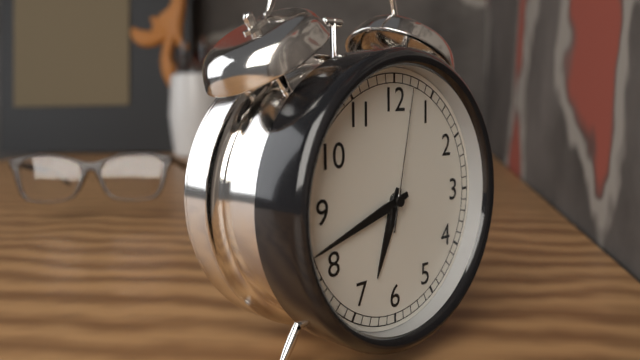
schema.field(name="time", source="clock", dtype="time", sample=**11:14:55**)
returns **6:42:02**
